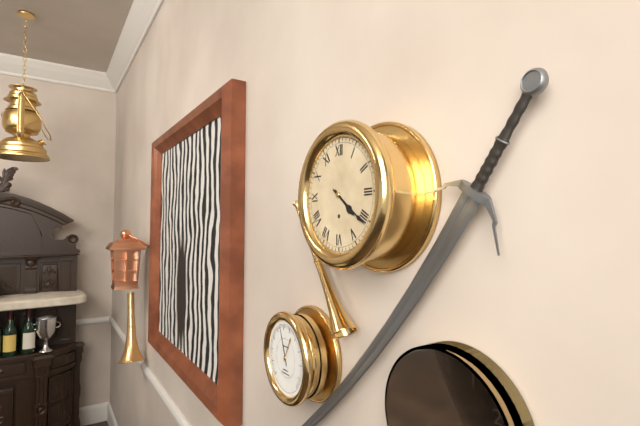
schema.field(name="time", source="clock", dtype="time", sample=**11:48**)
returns **4:21**
